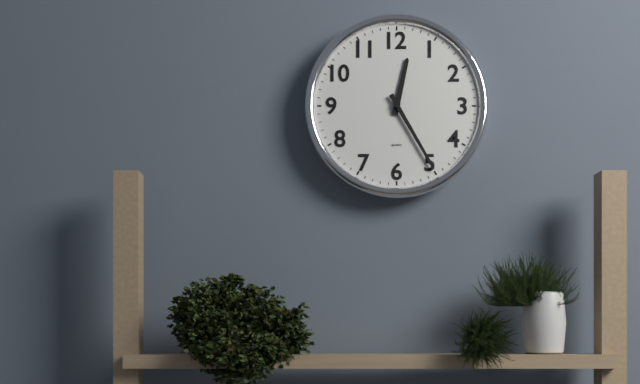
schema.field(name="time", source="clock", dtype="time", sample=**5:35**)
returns **12:25**
